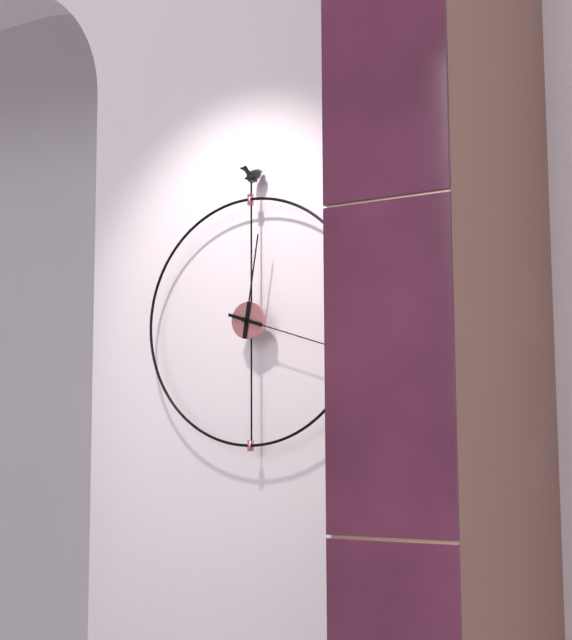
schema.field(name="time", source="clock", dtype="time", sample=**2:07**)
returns **12:18**
